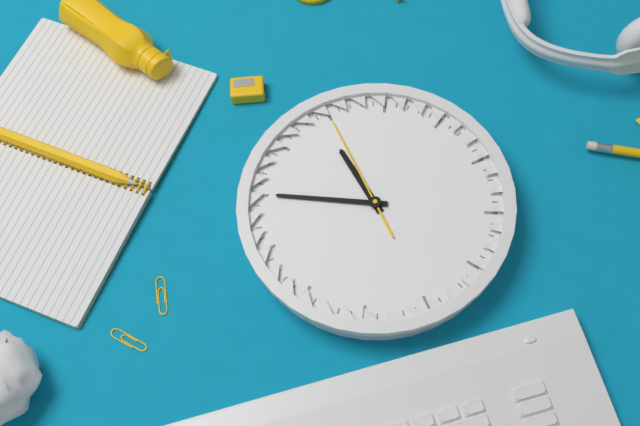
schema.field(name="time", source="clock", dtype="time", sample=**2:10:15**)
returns **11:50:00**
